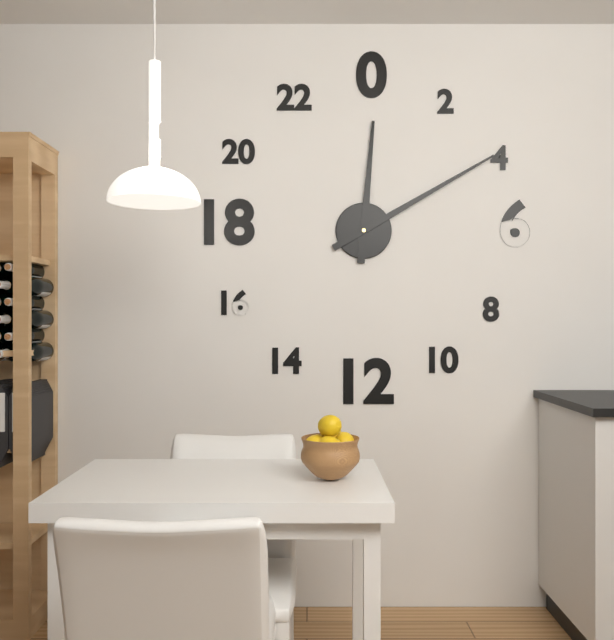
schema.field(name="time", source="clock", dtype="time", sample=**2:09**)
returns **12:10**
